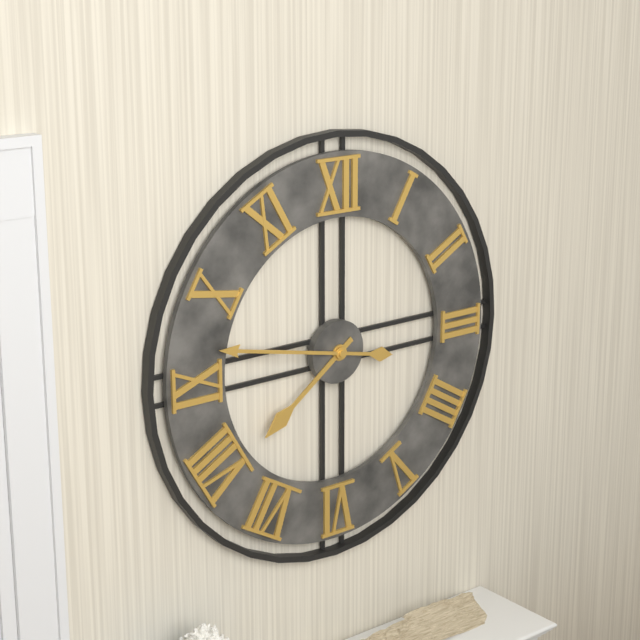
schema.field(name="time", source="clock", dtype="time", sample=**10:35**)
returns **7:47**
